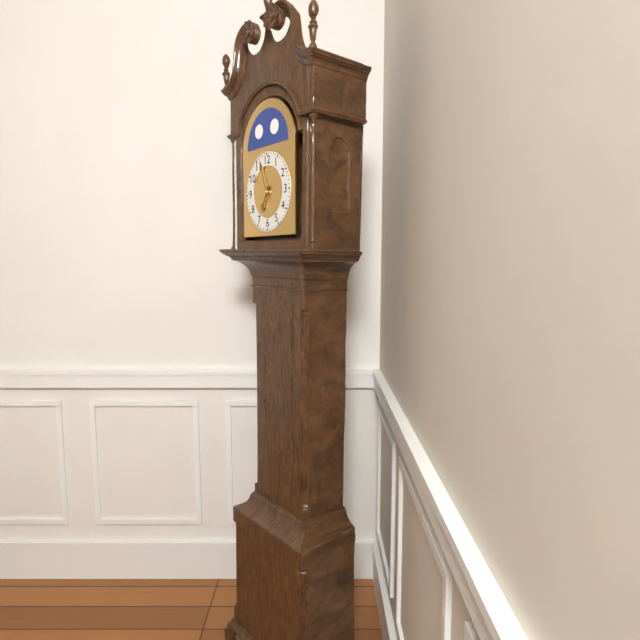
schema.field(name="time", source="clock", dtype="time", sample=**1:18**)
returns **6:57**
